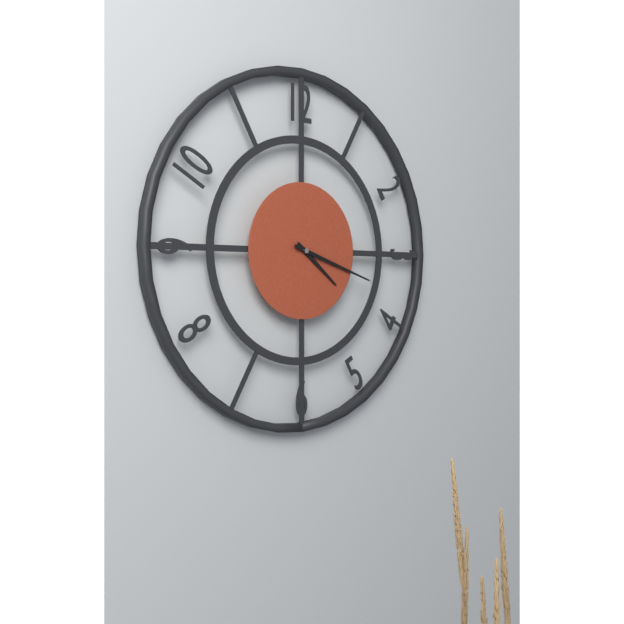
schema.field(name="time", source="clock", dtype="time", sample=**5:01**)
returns **4:18**
